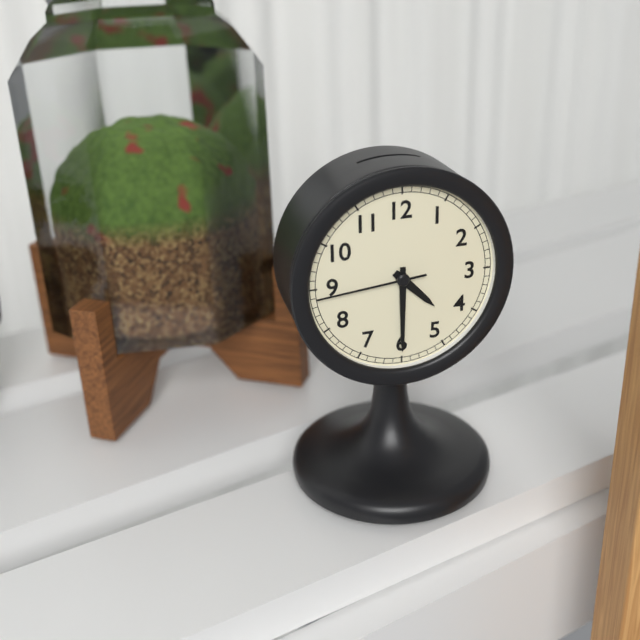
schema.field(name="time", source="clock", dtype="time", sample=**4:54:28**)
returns **4:30:44**
